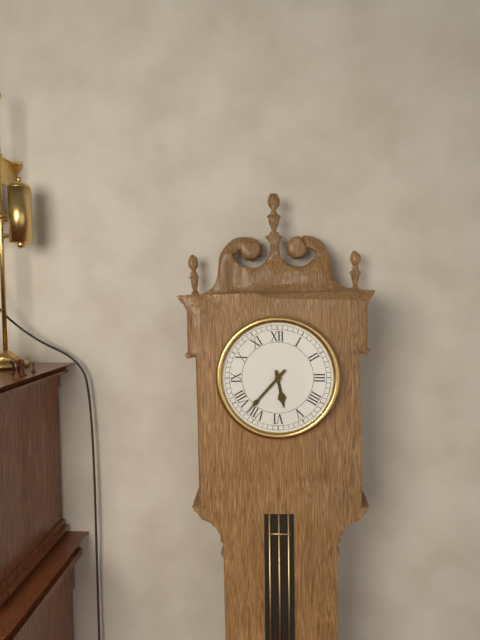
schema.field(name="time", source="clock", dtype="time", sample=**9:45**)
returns **5:37**
